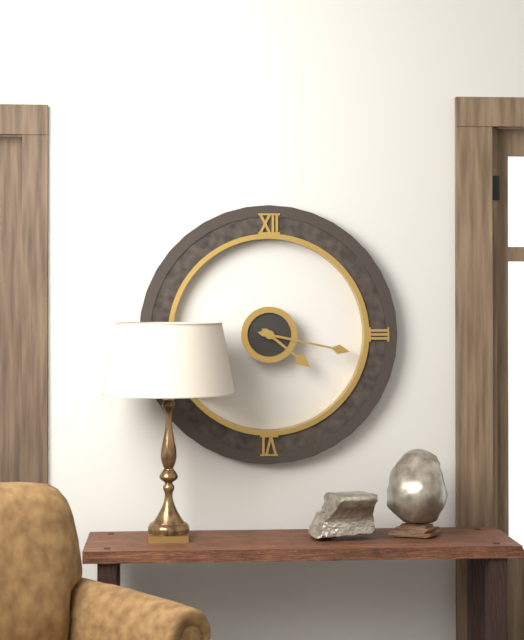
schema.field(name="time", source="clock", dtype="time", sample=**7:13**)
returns **4:17**
